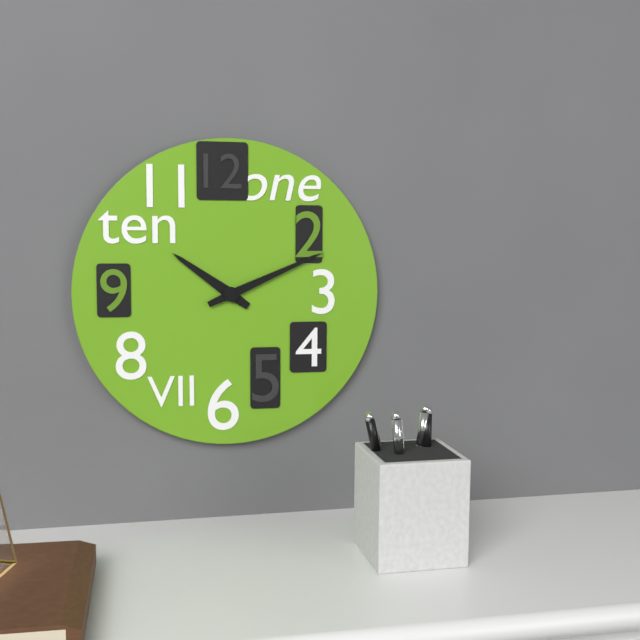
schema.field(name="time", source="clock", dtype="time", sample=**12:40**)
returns **10:11**
